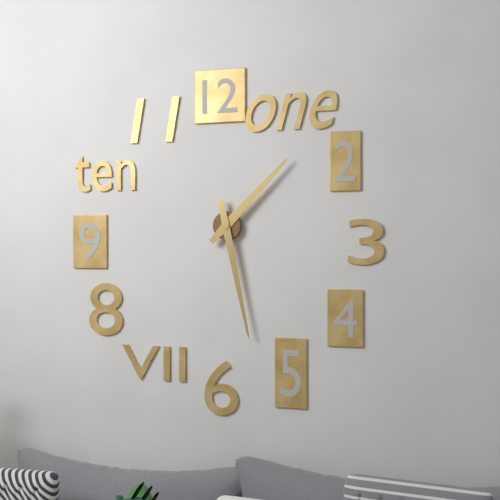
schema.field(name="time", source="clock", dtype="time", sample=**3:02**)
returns **1:28**
